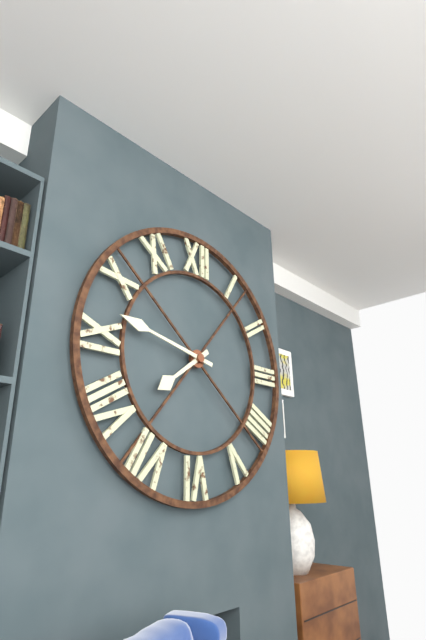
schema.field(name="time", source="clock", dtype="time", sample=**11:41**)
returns **7:47**
